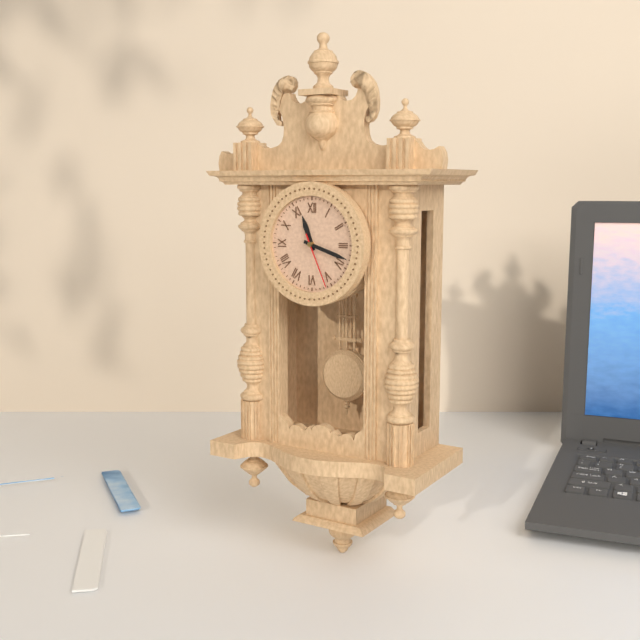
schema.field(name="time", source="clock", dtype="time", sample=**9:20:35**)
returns **11:18:26**
